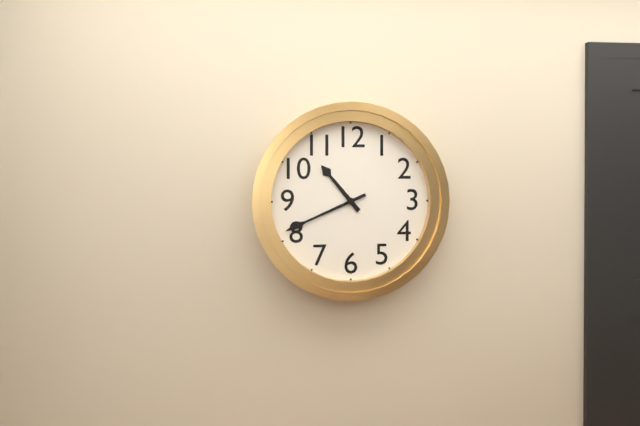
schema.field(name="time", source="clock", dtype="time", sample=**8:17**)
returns **10:41**
